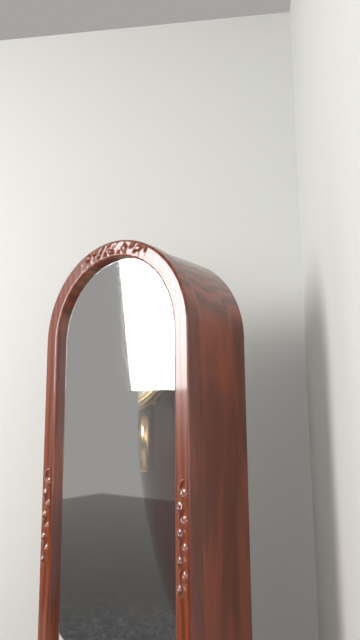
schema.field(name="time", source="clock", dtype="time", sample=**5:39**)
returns **4:37**
